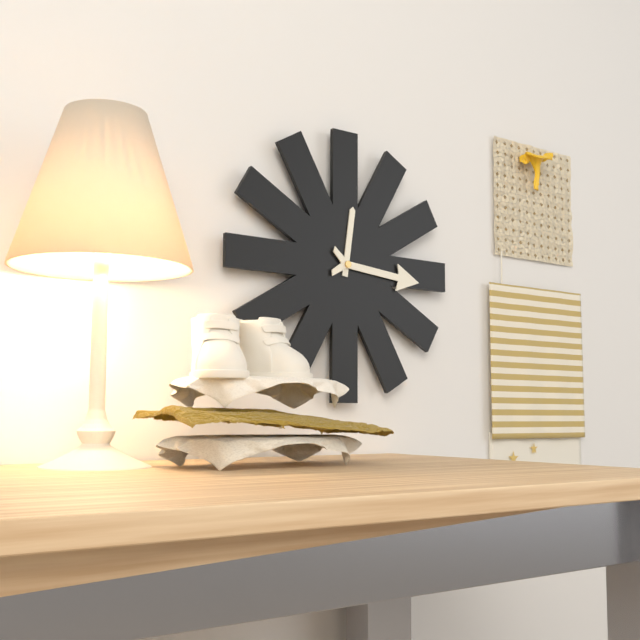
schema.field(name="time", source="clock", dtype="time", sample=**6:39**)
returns **12:16**
